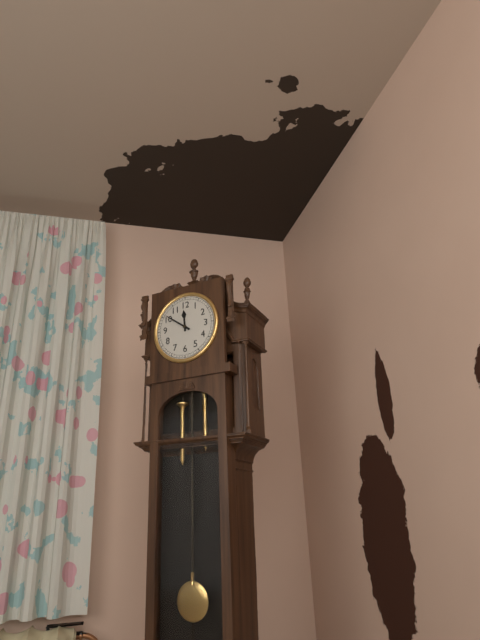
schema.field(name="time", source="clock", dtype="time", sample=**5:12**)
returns **11:51**
